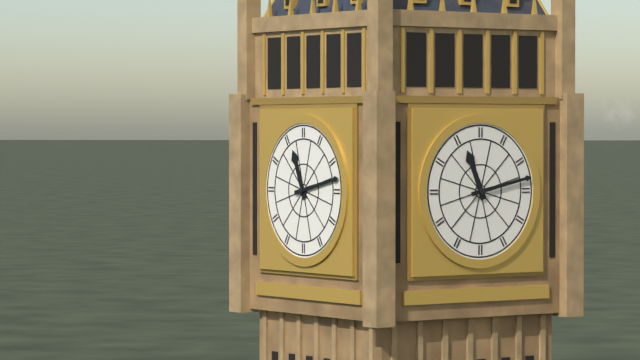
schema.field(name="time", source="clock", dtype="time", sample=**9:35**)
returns **11:13**
